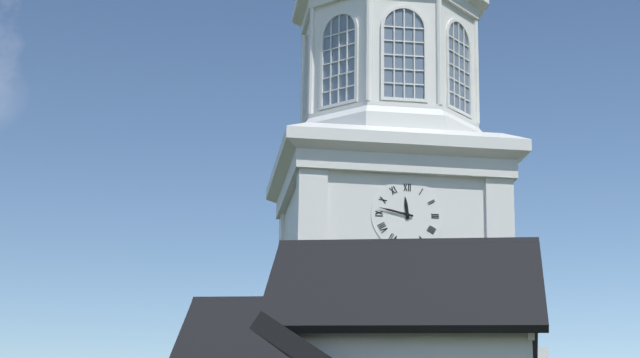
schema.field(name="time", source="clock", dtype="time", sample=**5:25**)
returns **11:47**
